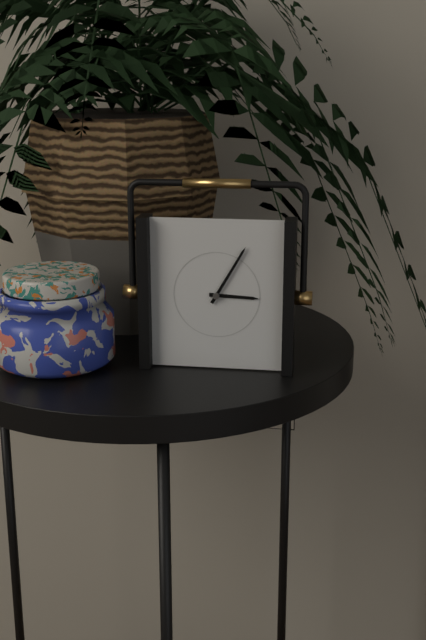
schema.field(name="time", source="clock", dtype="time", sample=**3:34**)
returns **3:05**
